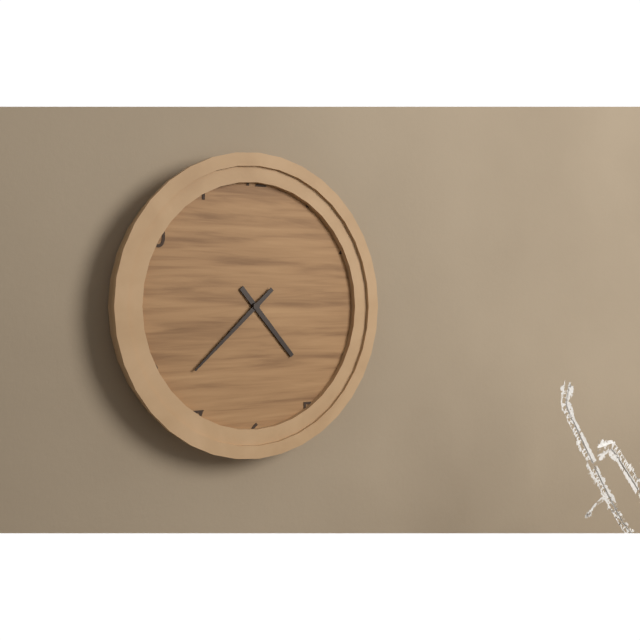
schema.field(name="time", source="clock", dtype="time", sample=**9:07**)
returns **4:38**
